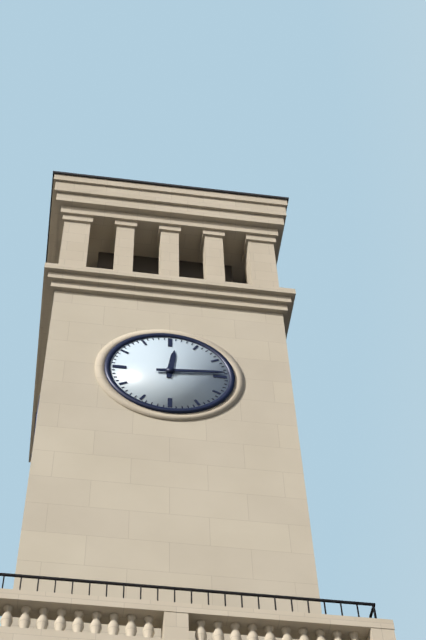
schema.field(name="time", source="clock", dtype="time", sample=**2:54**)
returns **12:14**
